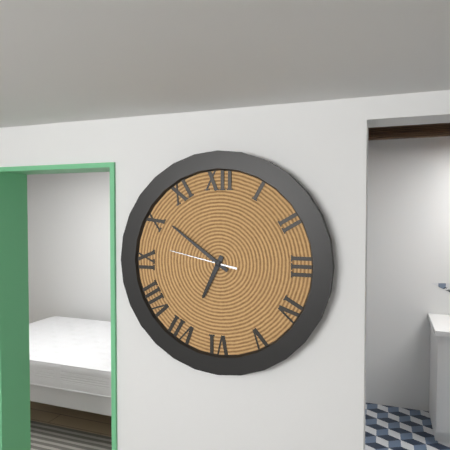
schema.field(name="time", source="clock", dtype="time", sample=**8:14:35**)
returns **6:51:47**
